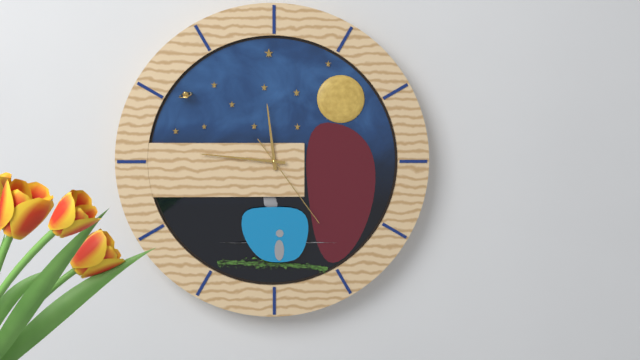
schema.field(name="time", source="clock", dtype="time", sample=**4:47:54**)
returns **11:46:24**
